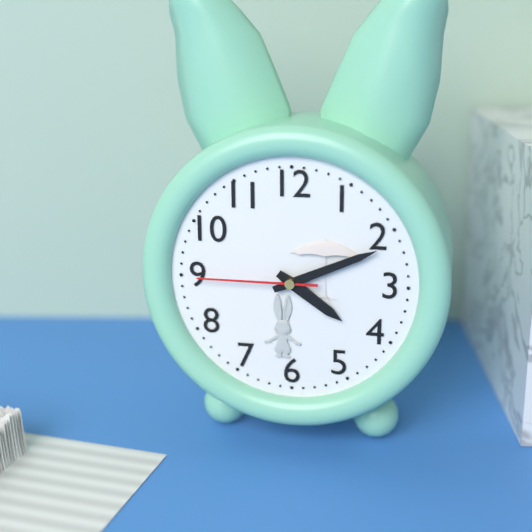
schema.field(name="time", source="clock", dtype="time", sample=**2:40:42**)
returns **4:11:45**
